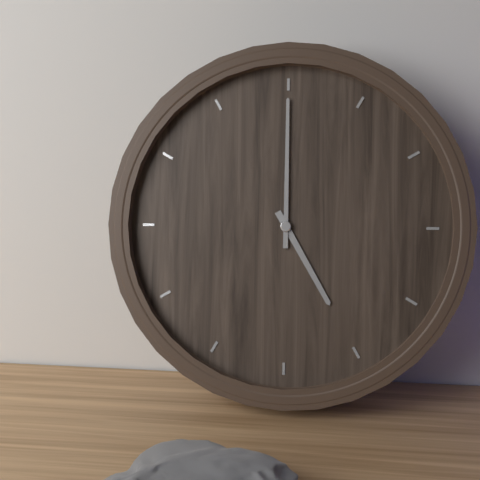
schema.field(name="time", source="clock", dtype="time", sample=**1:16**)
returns **5:00**
